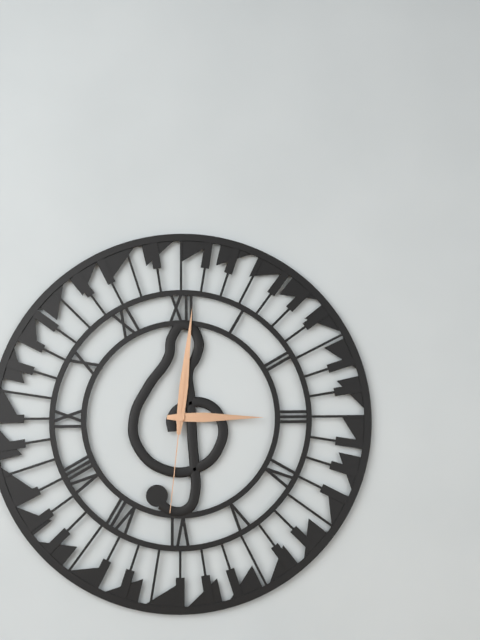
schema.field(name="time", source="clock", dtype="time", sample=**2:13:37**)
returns **3:01:31**
